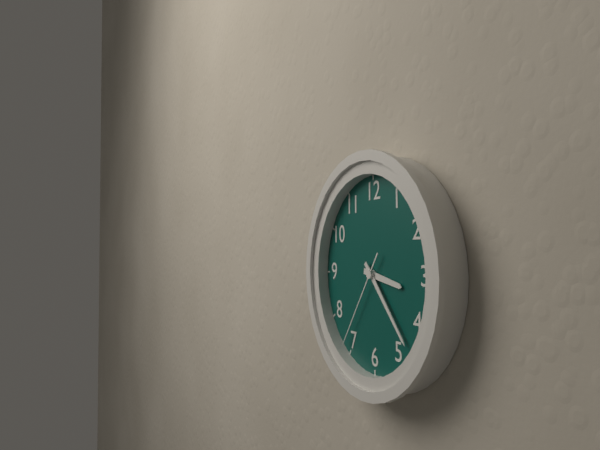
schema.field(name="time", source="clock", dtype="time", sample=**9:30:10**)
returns **3:23:36**
